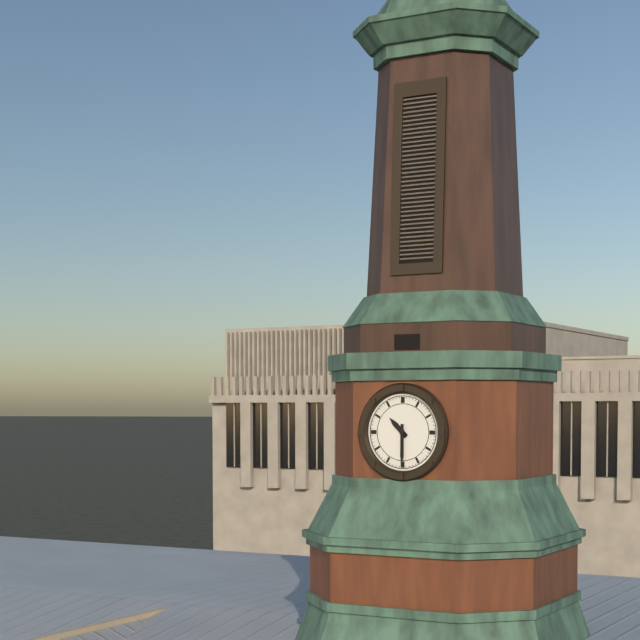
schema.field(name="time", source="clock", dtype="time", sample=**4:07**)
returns **10:30**
